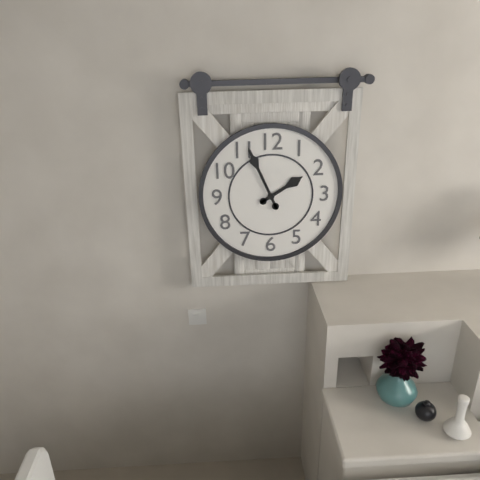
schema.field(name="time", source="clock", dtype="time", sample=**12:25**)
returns **1:56**
